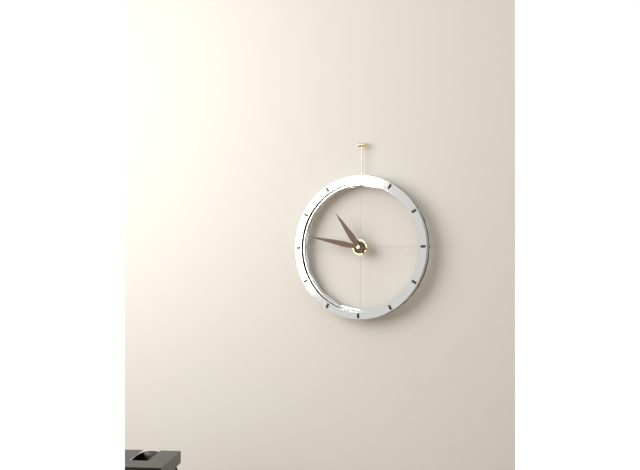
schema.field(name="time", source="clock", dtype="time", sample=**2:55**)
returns **10:47**
